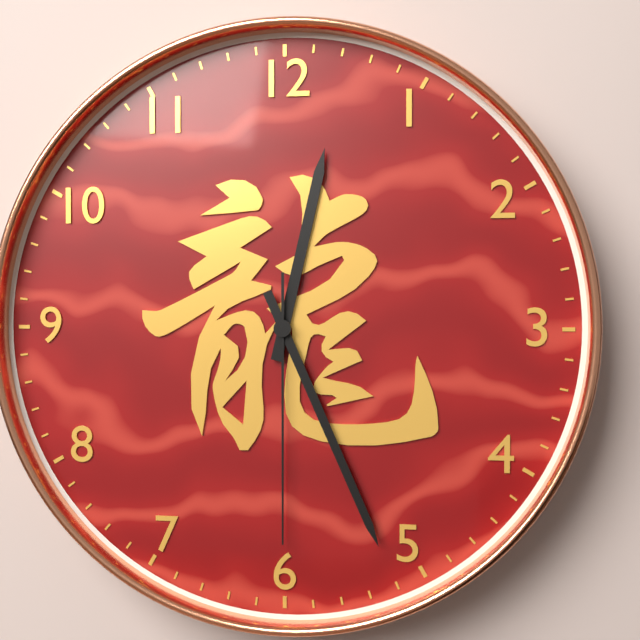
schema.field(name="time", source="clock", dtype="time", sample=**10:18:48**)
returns **12:26:30**
